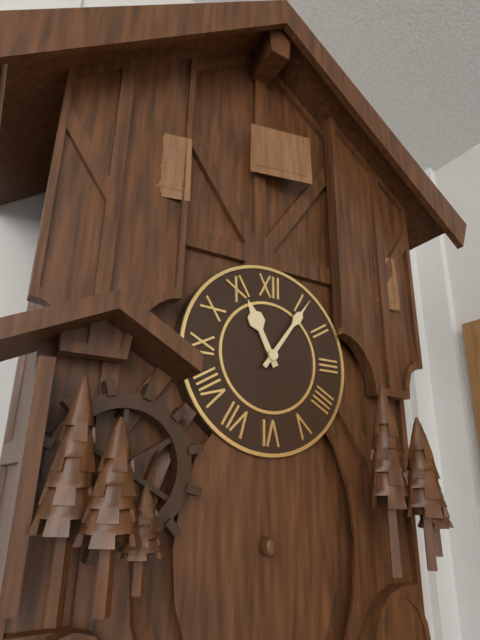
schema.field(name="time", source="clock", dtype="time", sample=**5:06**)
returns **11:06**
